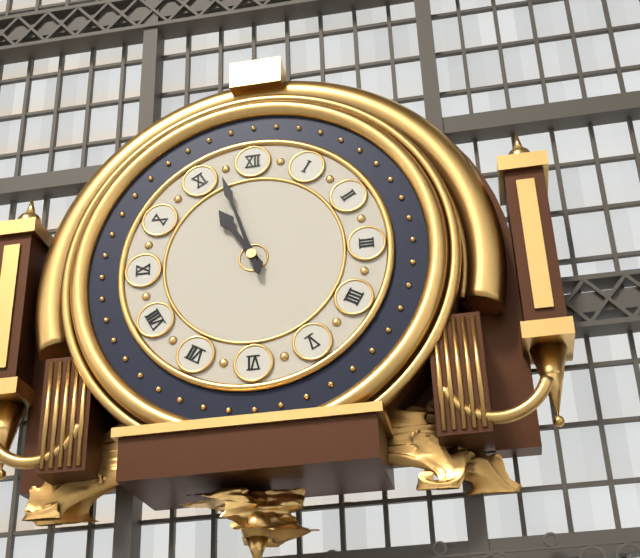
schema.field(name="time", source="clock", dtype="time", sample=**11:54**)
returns **10:57**
